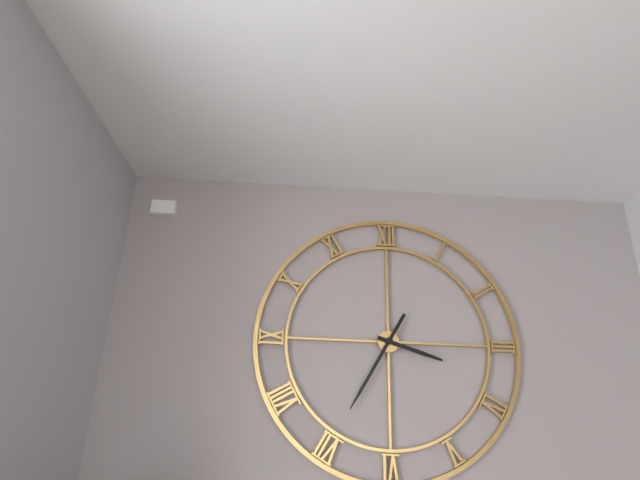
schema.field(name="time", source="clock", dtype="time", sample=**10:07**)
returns **3:35**
